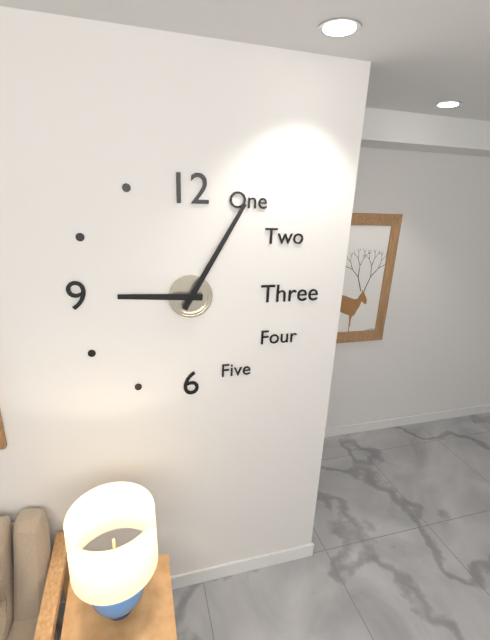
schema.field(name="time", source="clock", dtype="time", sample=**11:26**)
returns **9:05**
